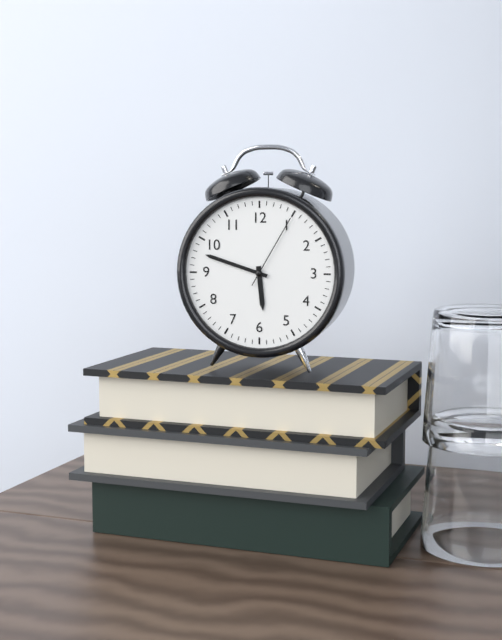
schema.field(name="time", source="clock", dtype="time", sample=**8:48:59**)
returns **5:48:05**
